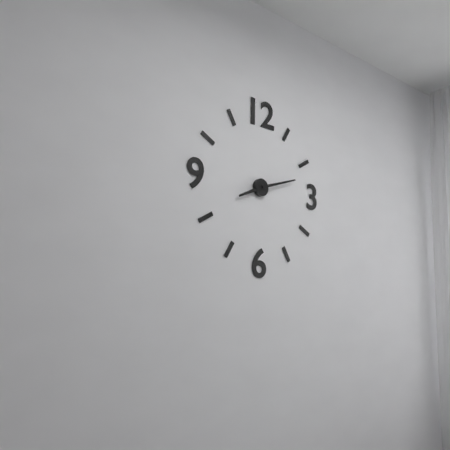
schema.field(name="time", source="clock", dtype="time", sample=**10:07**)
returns **8:12**
